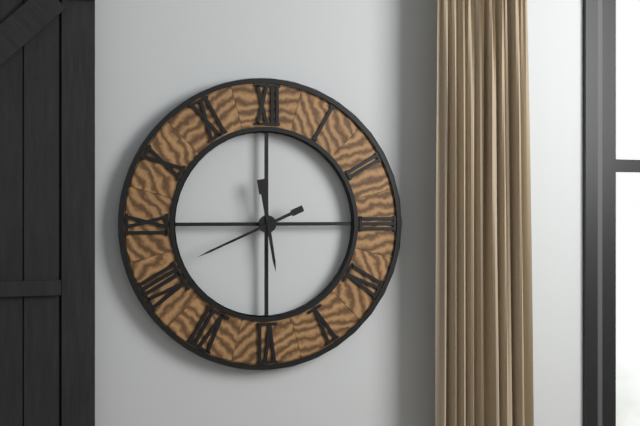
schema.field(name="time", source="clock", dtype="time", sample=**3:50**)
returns **5:41**
